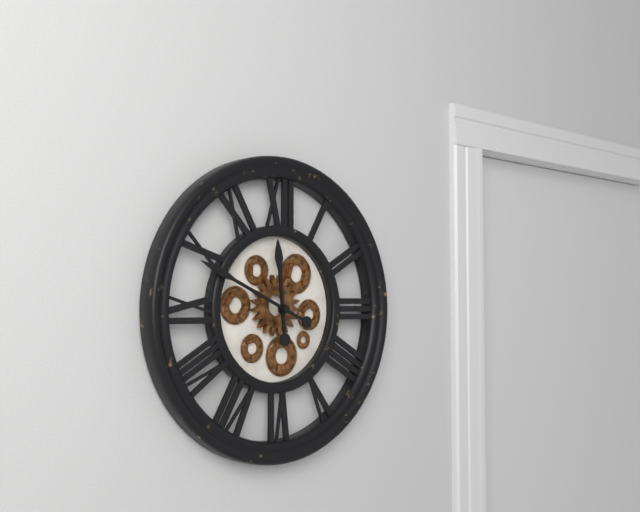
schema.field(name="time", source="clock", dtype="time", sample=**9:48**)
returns **11:49**
